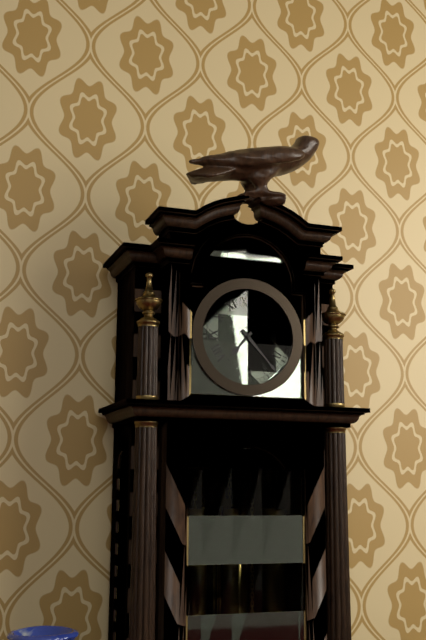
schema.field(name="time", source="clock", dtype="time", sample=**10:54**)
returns **7:23**
